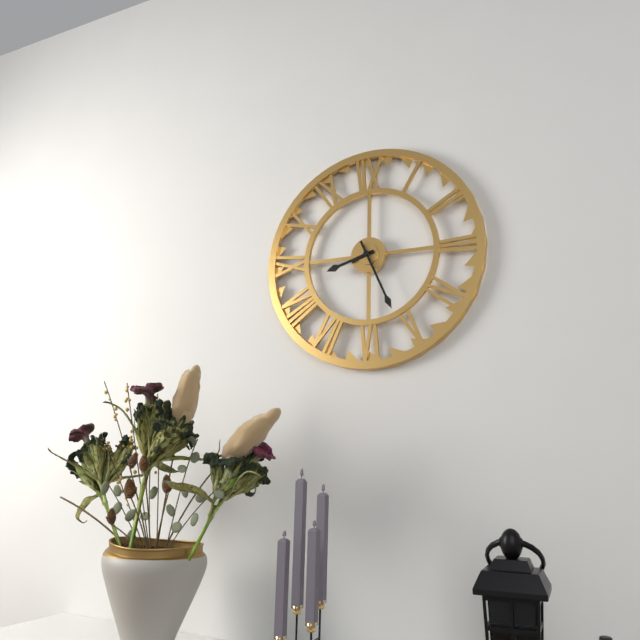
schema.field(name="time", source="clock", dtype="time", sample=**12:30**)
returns **8:26**
